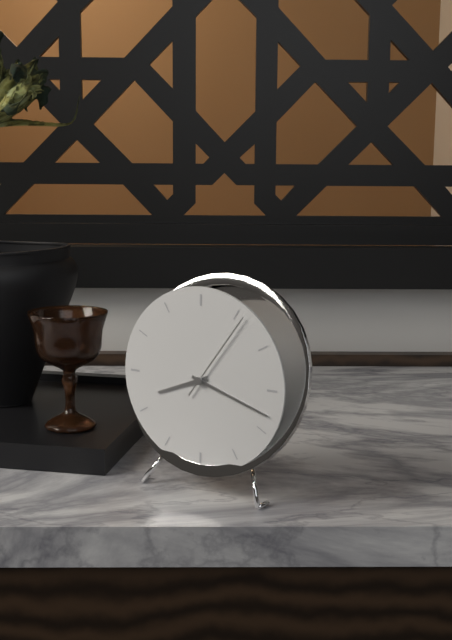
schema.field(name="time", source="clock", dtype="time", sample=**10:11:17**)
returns **8:18:06**
